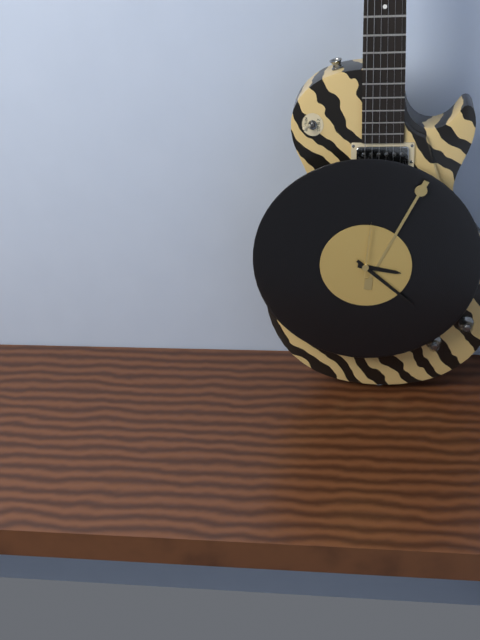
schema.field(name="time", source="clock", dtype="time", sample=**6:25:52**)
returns **3:22:01**
